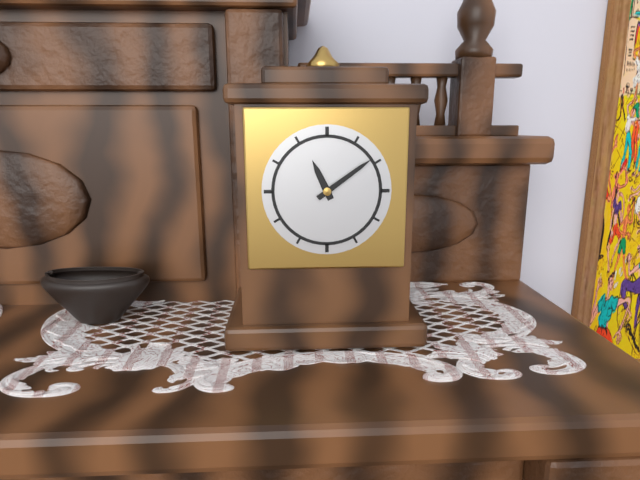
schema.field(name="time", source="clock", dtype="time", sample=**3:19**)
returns **11:09**
